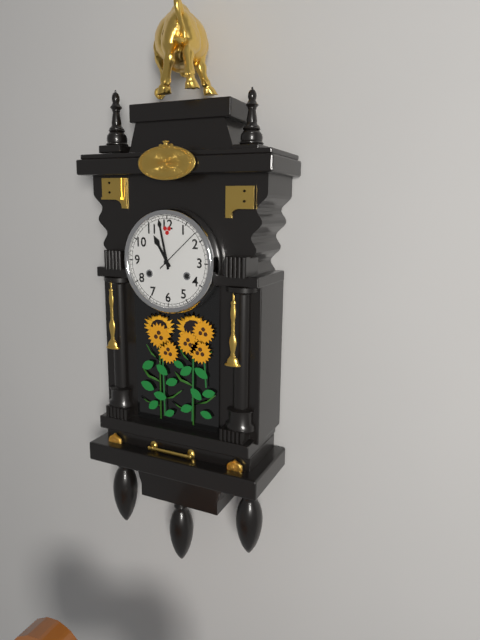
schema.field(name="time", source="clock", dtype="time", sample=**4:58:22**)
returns **10:58:08**
